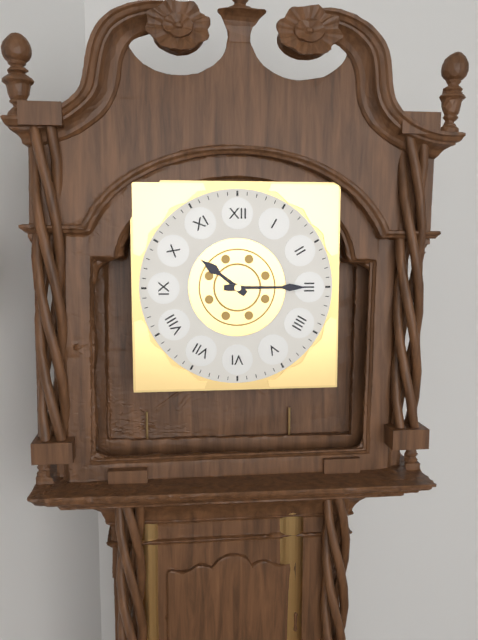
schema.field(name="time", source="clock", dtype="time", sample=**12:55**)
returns **10:15**
